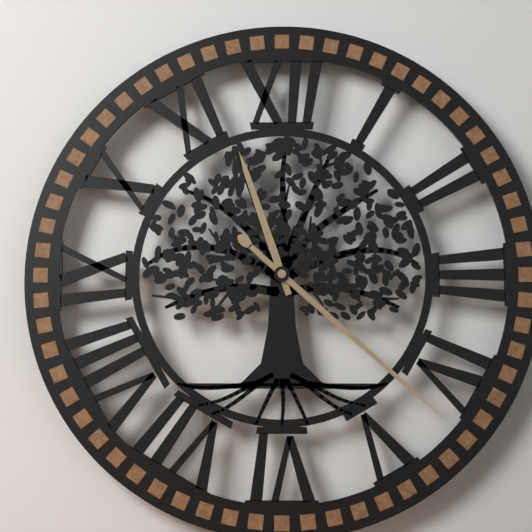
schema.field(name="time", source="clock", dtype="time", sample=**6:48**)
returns **11:22**
